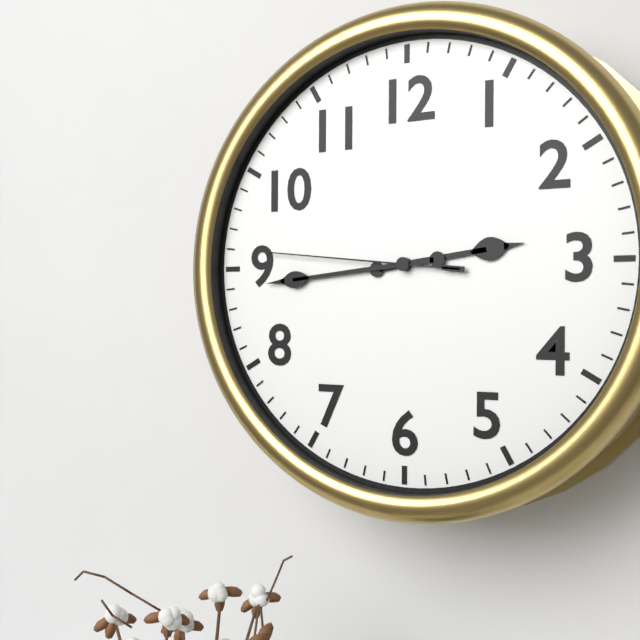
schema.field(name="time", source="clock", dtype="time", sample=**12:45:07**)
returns **2:44:46**
